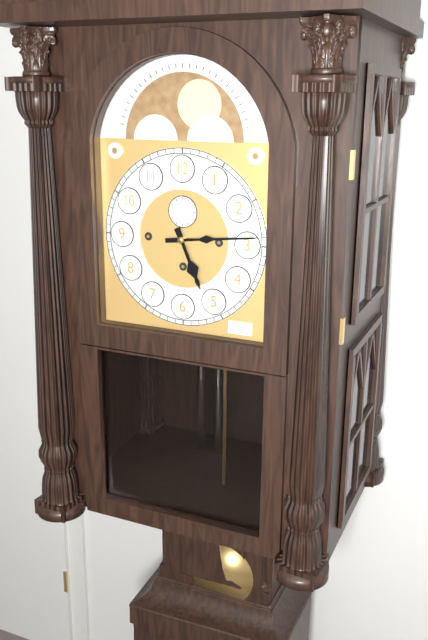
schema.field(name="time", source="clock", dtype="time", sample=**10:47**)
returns **5:14**
